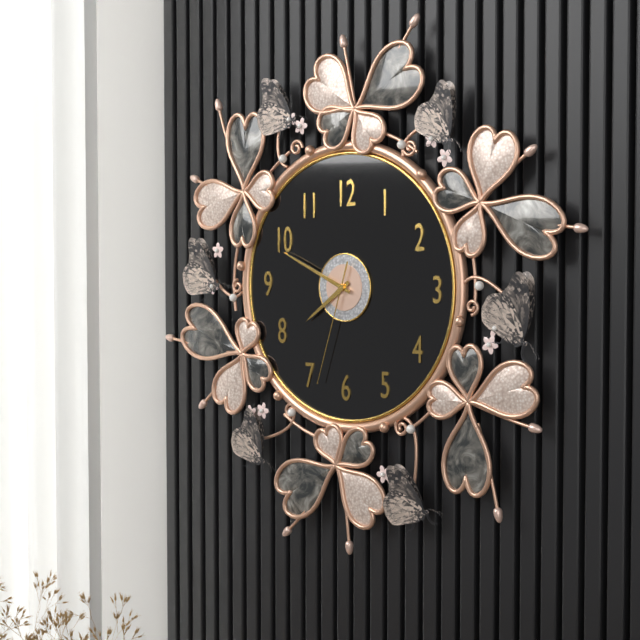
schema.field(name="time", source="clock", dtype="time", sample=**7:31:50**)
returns **7:49:33**
